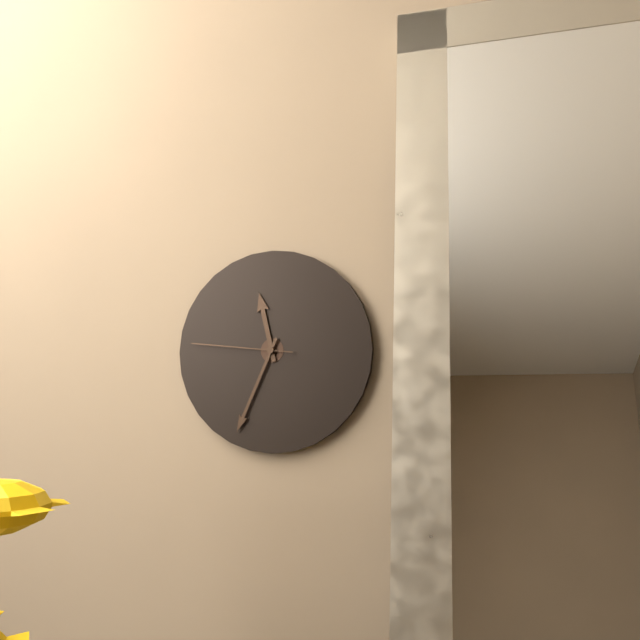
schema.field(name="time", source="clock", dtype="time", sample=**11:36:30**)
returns **11:34:46**
